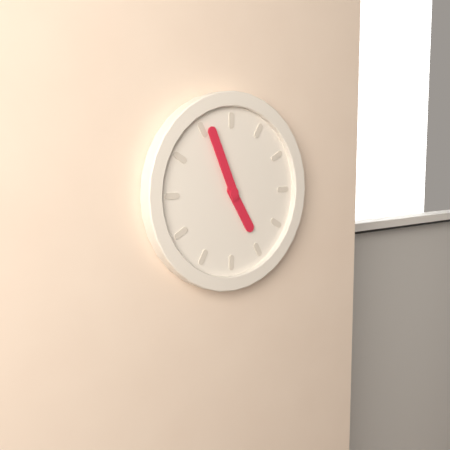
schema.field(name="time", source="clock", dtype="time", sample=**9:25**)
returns **4:56**
